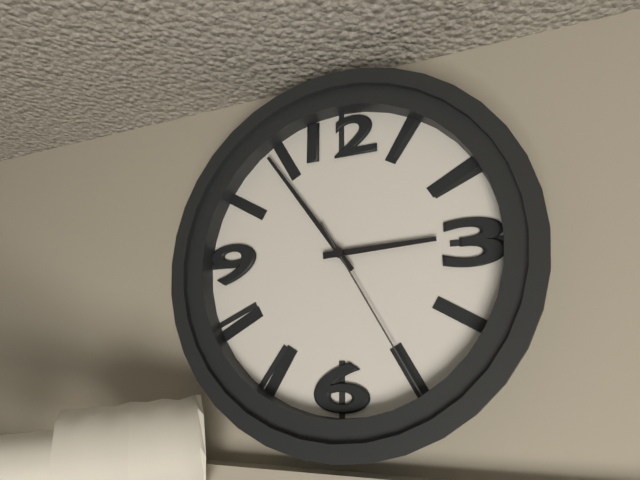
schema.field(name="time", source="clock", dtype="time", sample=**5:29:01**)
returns **2:54:25**
